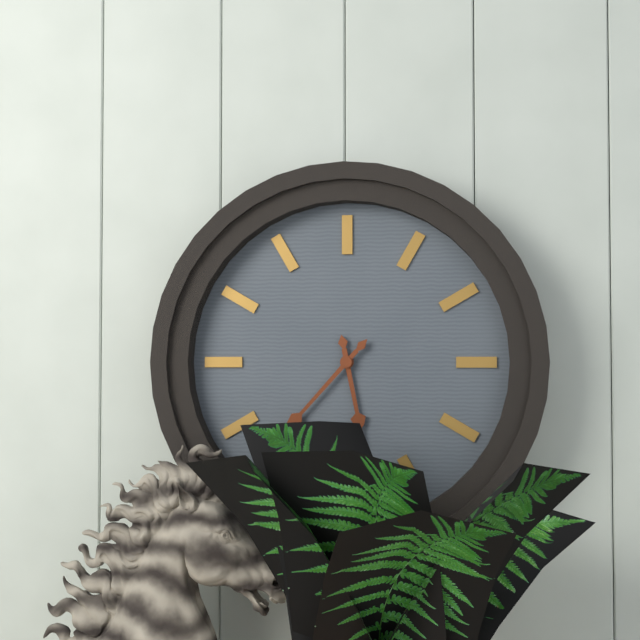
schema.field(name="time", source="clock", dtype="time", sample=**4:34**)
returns **5:37**
